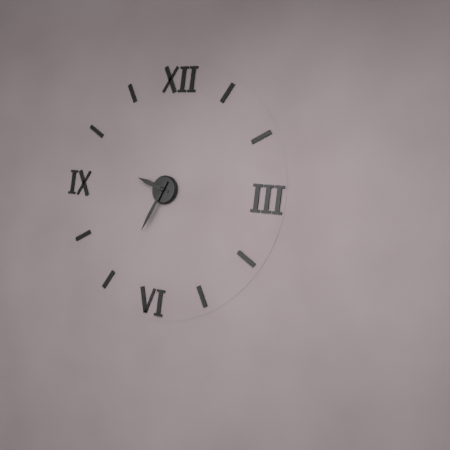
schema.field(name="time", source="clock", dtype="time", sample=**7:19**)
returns **9:34**
